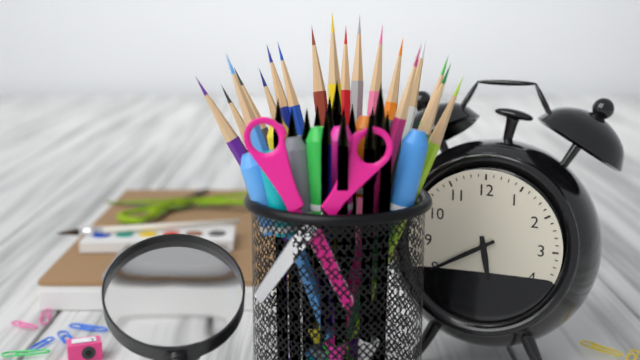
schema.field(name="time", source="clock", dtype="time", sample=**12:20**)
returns **5:40**
